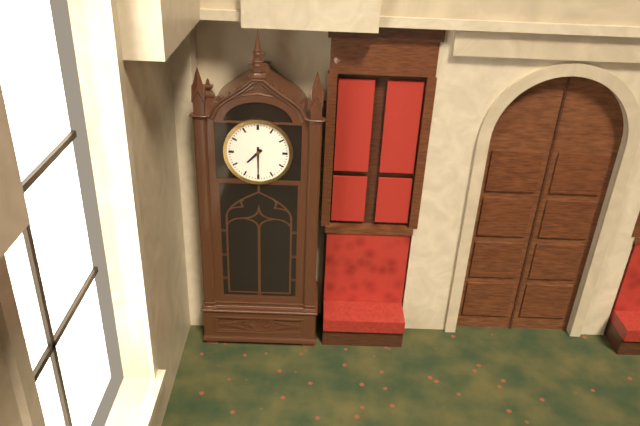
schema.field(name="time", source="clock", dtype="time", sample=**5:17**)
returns **7:30**
